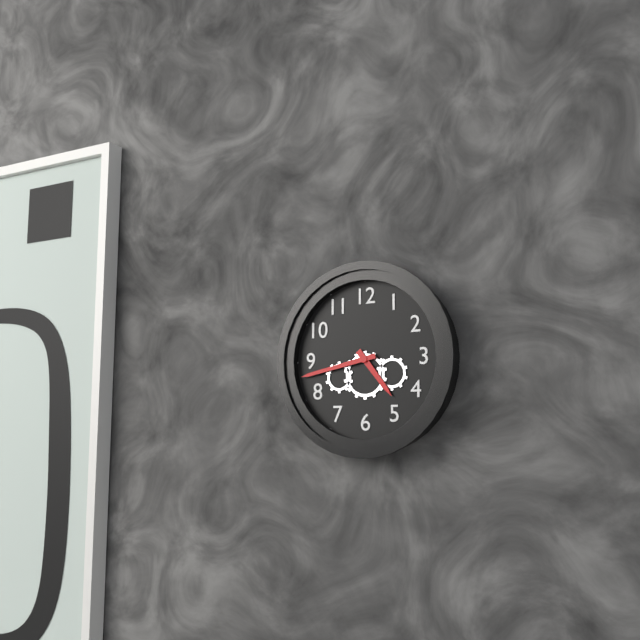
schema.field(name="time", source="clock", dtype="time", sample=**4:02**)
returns **4:43**
